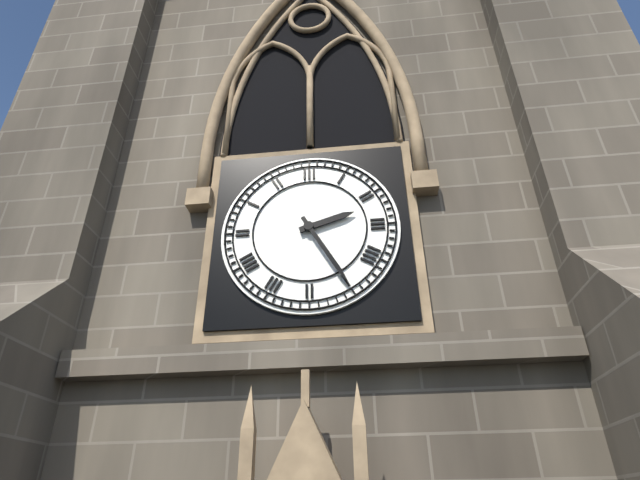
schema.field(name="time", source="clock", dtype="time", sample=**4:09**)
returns **2:25**
